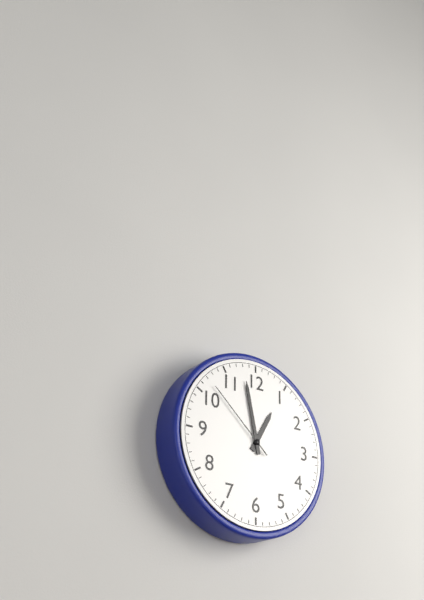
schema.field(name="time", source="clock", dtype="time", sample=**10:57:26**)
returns **12:58:52**
